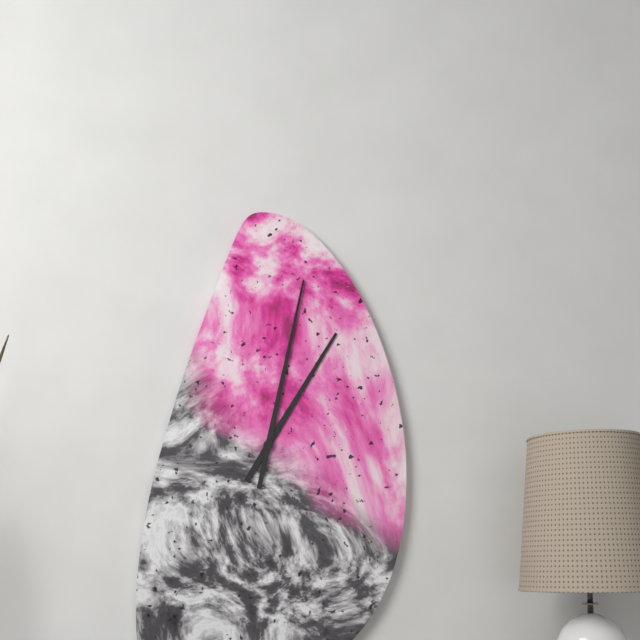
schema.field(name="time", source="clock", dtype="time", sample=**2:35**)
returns **1:02**
